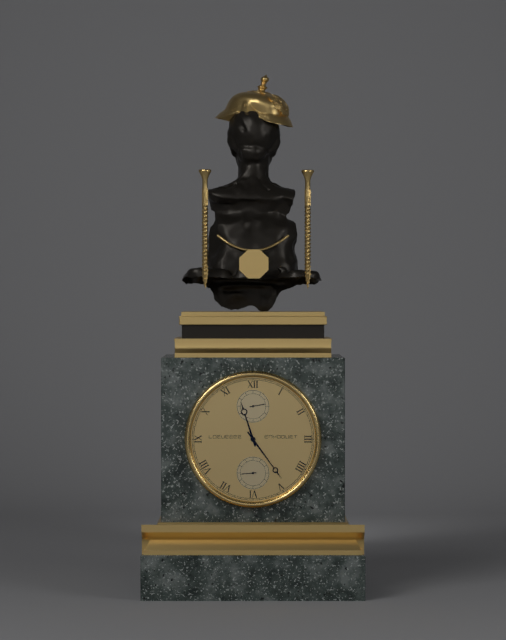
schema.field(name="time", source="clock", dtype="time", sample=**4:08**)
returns **11:24**
